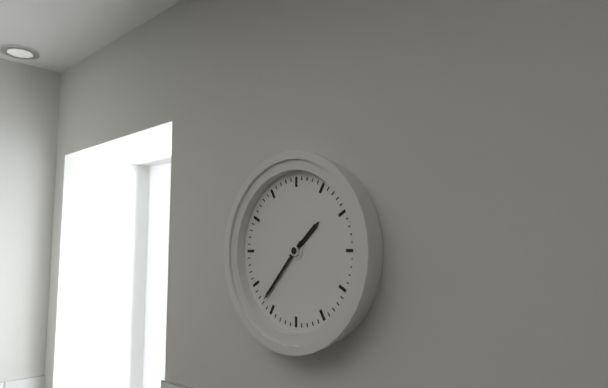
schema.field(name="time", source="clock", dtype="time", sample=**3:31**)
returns **1:37**
